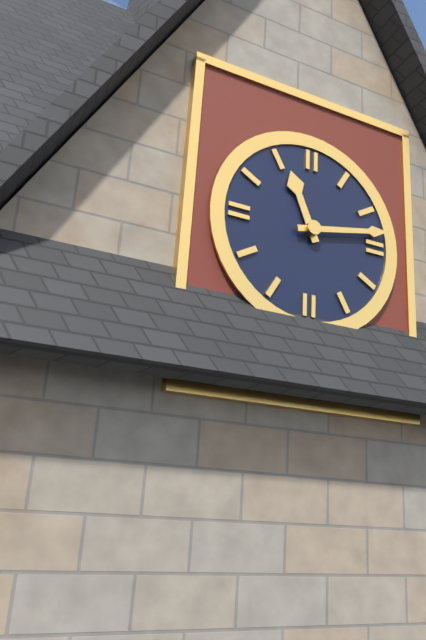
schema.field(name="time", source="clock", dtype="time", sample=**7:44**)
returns **11:13**
